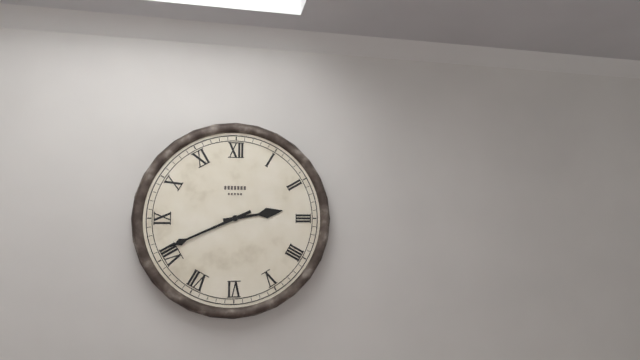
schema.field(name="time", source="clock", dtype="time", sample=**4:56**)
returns **2:41**
